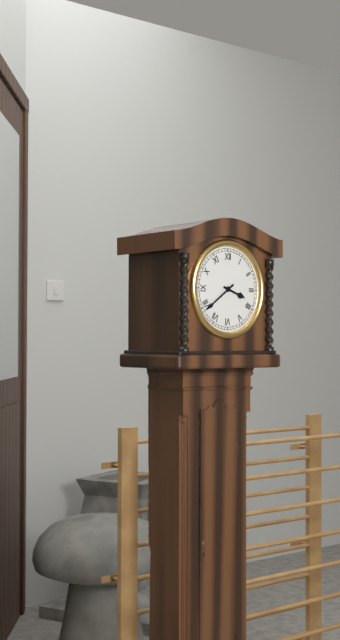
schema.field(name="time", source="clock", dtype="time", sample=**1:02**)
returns **3:39**
